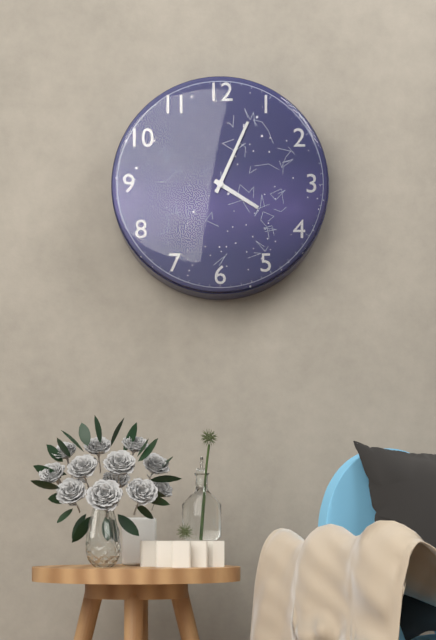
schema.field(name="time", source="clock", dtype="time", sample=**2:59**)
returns **4:04**
